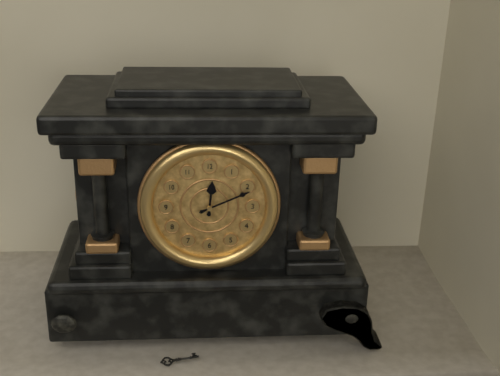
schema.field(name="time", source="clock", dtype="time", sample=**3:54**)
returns **12:11**
